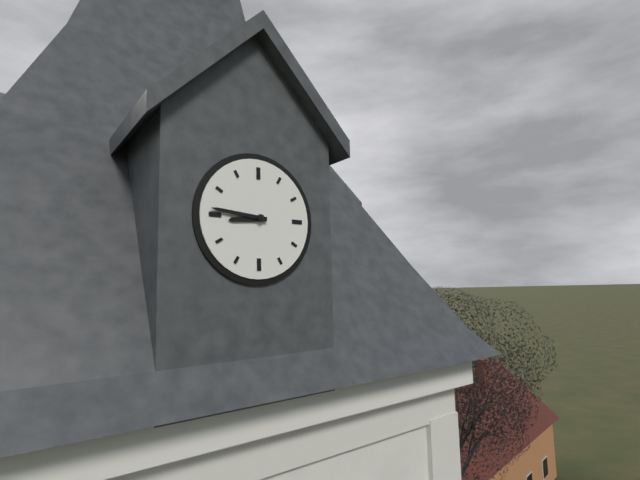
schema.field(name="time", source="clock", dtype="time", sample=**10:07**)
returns **8:46**
